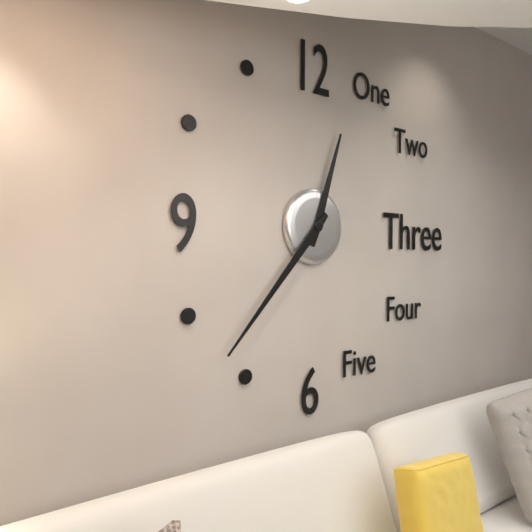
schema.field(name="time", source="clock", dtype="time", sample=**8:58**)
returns **12:37**
